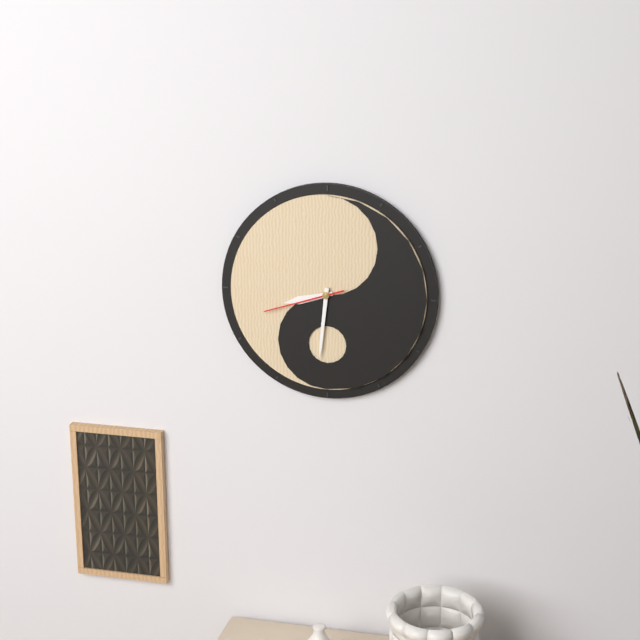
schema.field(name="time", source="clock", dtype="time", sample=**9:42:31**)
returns **8:31:42**
